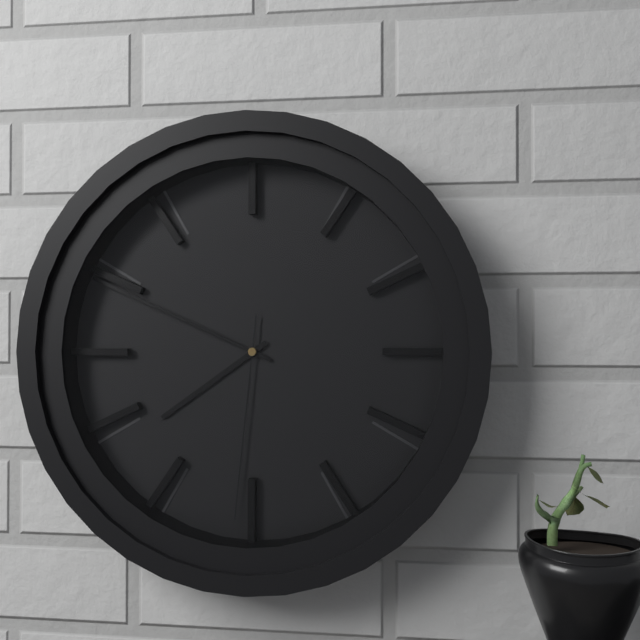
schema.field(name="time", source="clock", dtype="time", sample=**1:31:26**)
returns **7:49:31**
